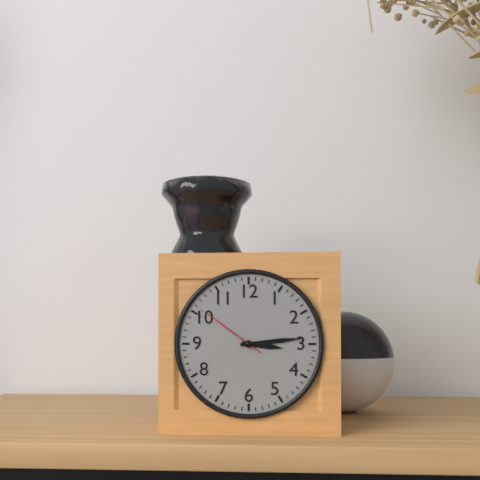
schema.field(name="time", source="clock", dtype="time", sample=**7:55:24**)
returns **3:14:51**
